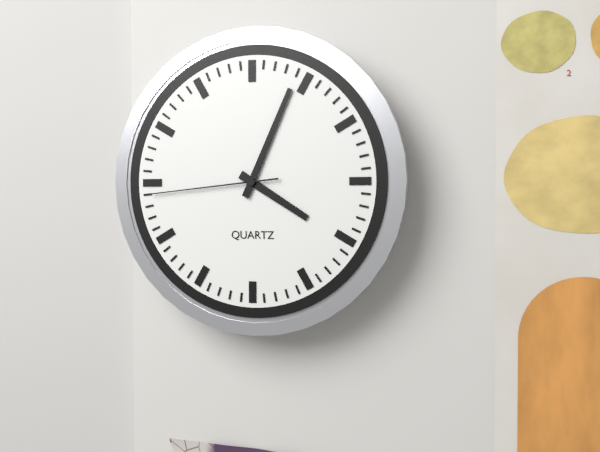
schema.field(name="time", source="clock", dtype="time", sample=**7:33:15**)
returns **4:04:44**
